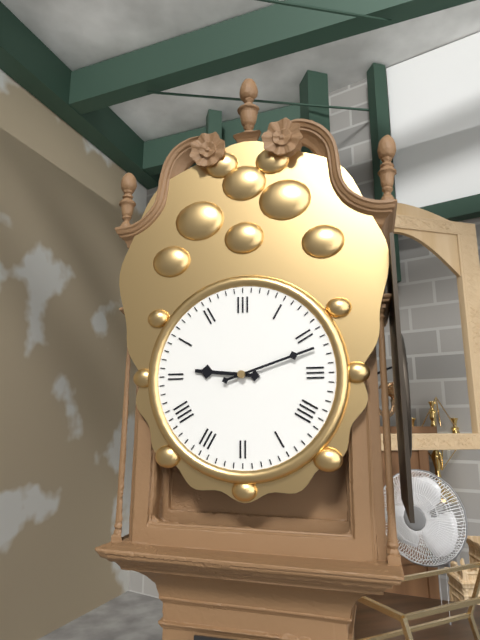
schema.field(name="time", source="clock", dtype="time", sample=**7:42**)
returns **9:12**
